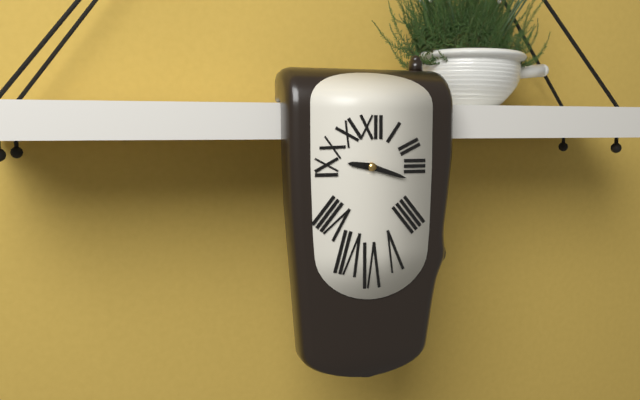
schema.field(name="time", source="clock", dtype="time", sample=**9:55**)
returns **9:18**
